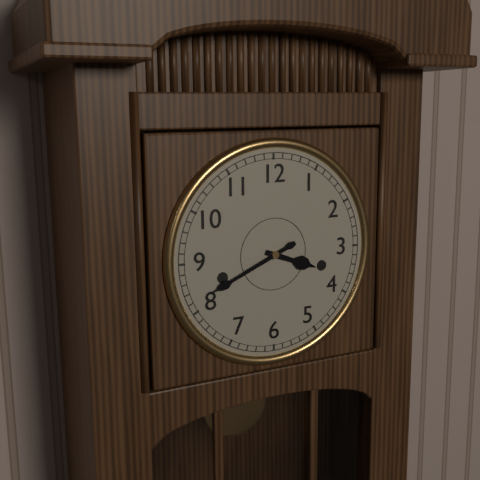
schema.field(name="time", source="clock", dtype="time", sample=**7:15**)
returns **3:41**
